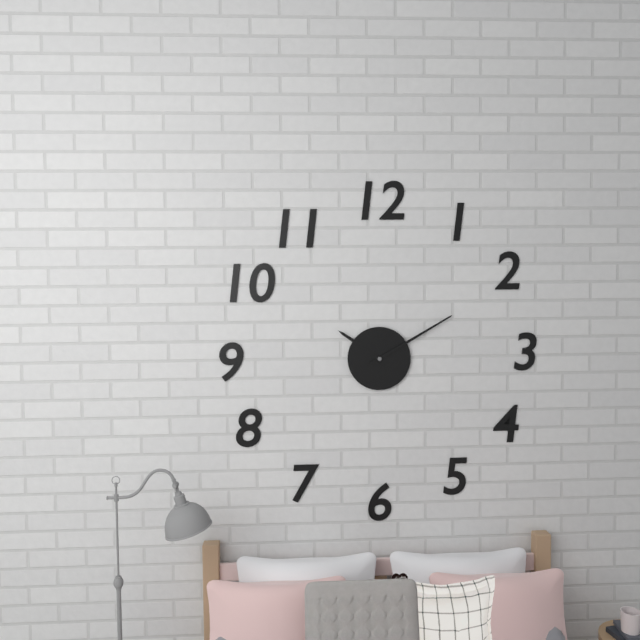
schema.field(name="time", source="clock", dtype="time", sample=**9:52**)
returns **10:10**
